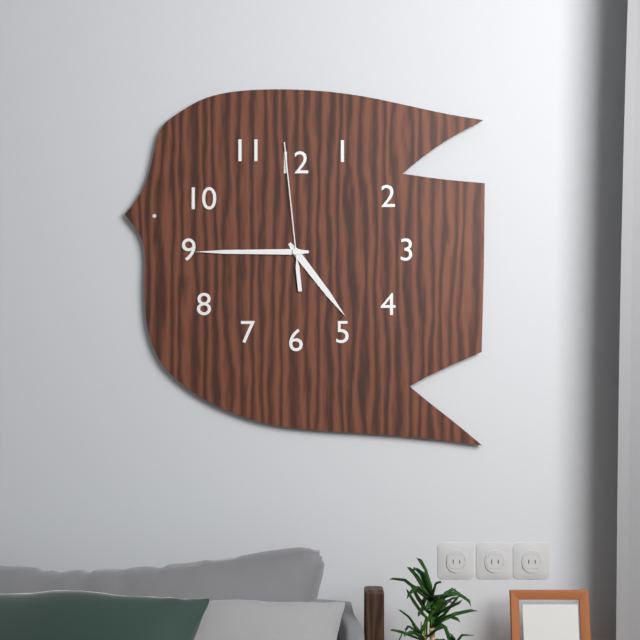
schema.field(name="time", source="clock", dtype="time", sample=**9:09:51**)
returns **4:45:59**
